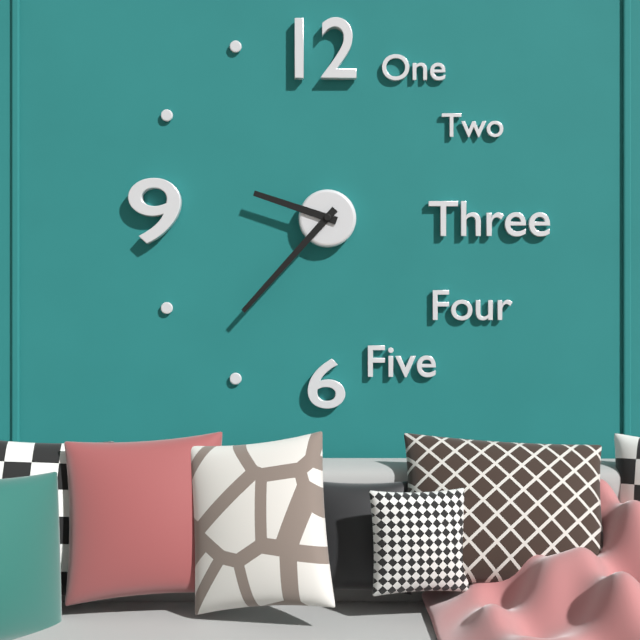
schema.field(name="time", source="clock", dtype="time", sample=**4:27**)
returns **9:37**
